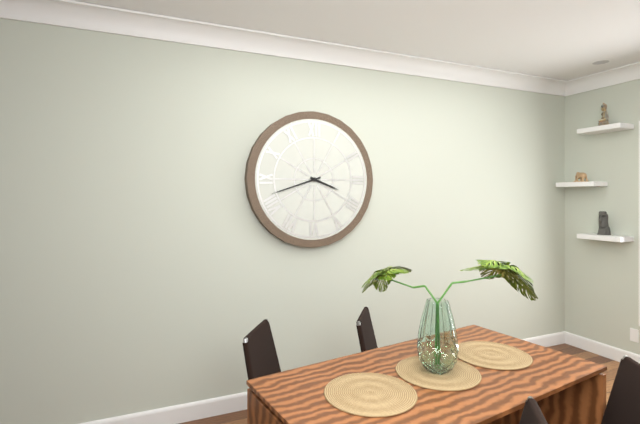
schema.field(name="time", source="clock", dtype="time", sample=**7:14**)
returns **3:42**
